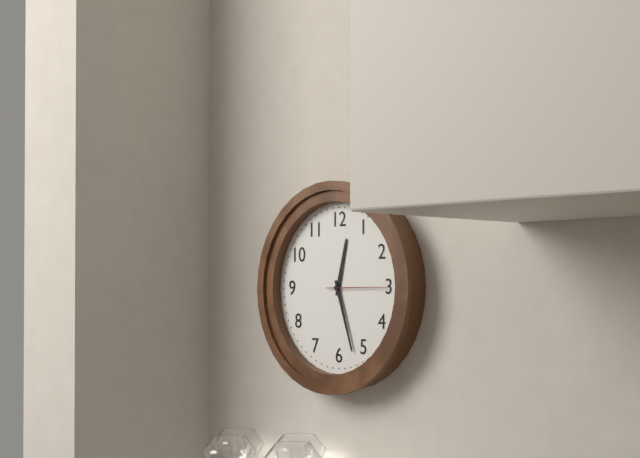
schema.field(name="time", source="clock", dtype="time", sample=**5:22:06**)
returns **12:27:15**
